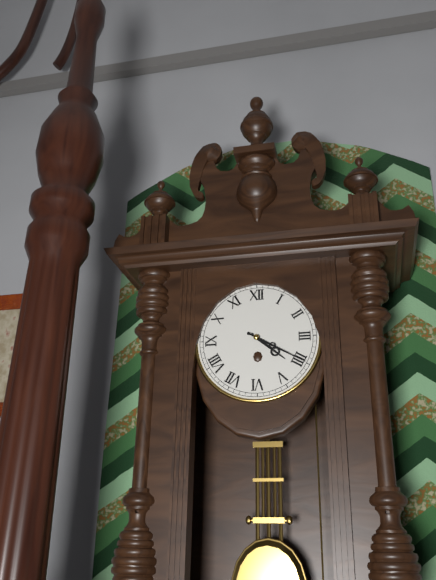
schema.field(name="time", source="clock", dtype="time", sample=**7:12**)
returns **4:20**
